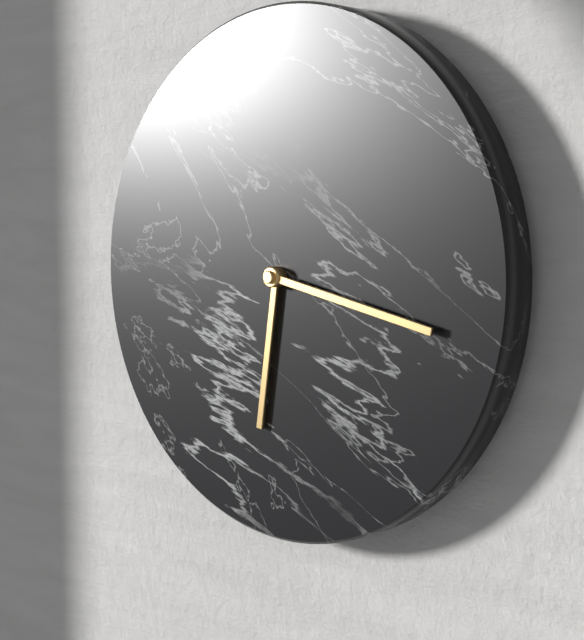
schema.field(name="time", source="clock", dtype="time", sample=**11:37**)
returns **6:17**
